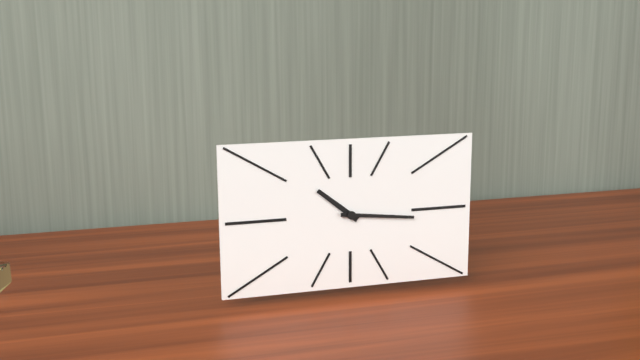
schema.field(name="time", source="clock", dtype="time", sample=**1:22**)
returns **10:16**
